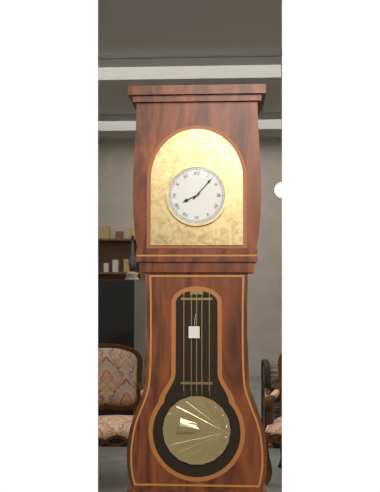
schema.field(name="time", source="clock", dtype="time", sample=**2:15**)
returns **8:07**
